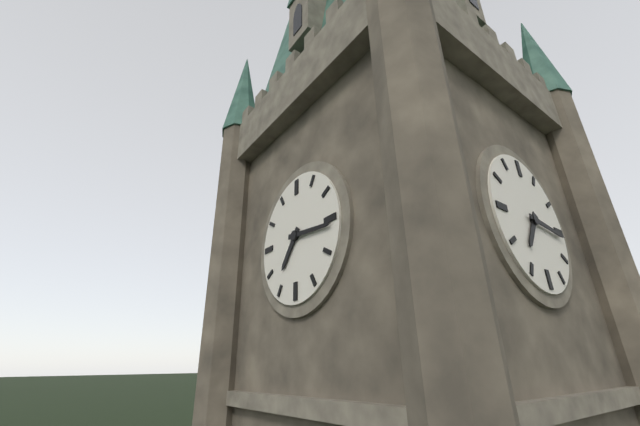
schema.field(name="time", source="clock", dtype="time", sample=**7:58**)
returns **7:16**
